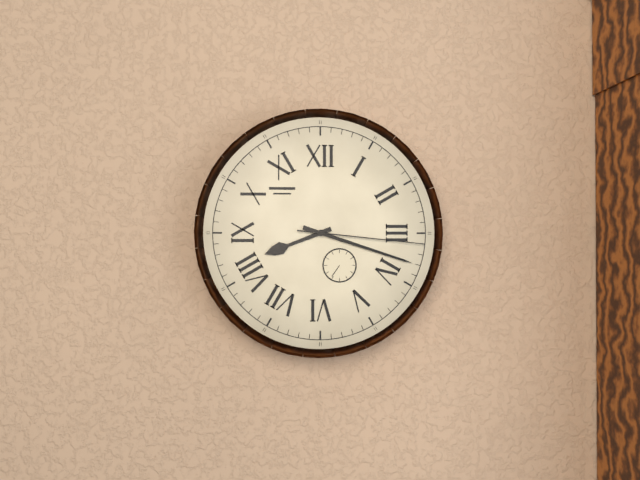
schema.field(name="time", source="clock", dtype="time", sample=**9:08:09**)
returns **8:18:16**
